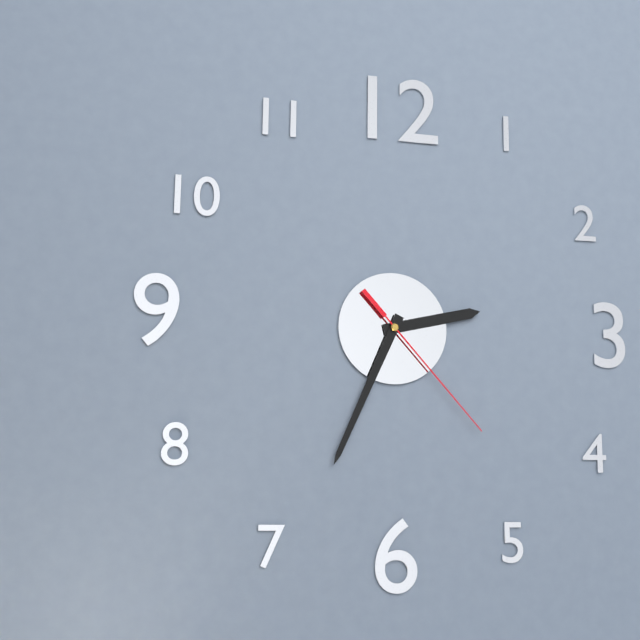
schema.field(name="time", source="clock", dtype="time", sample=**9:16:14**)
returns **2:34:23**
